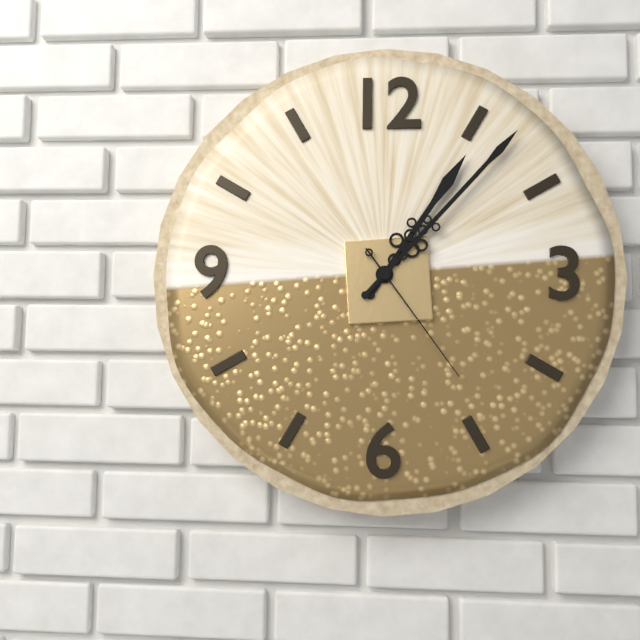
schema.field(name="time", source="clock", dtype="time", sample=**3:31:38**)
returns **1:07:24**
